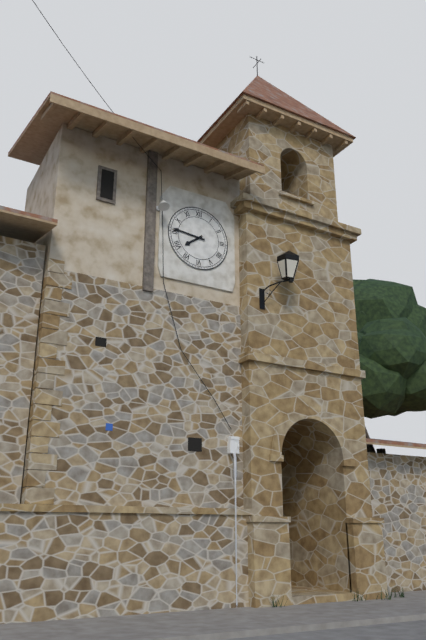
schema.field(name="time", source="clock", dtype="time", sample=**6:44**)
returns **7:46**
